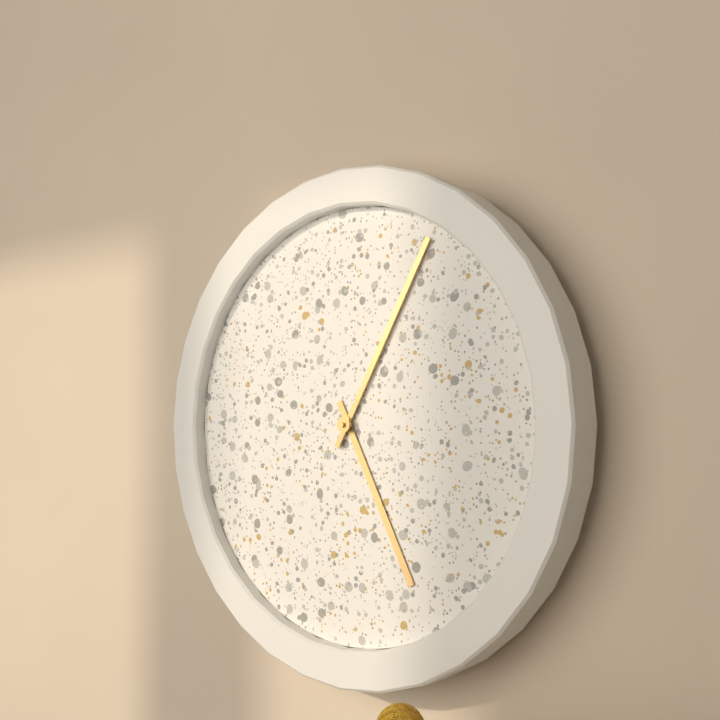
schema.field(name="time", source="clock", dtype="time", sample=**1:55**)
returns **5:05**
